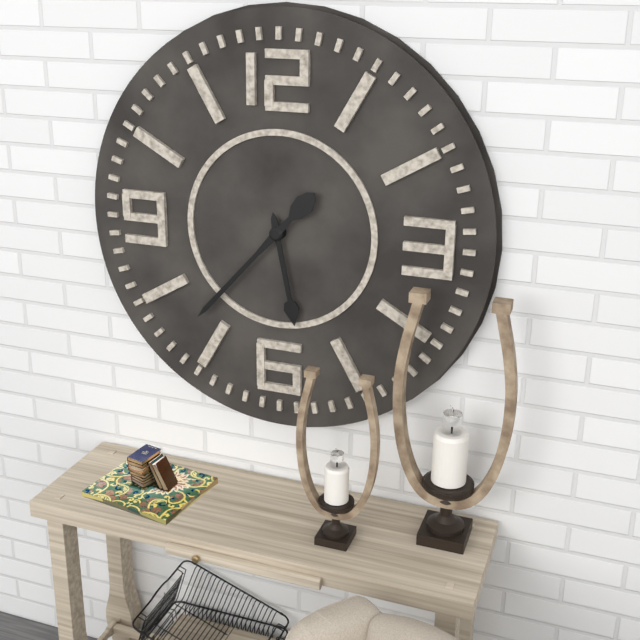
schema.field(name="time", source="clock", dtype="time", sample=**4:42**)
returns **5:37**
